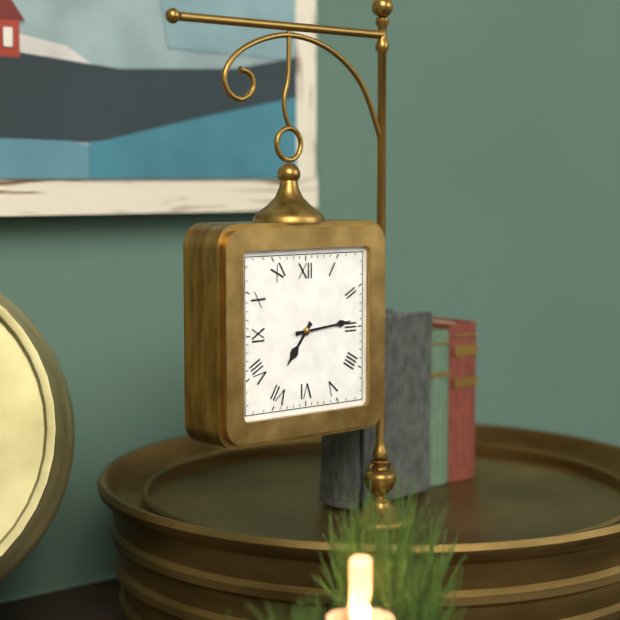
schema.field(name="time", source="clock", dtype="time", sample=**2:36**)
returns **7:14**
